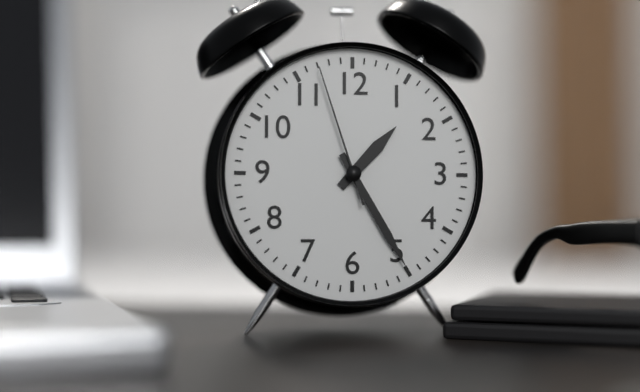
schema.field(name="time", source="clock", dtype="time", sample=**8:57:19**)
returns **1:25:57**
